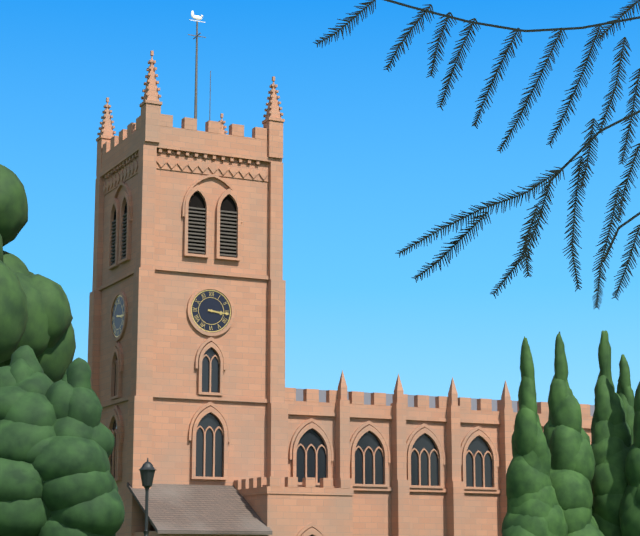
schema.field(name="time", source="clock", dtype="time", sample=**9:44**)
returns **3:16**
